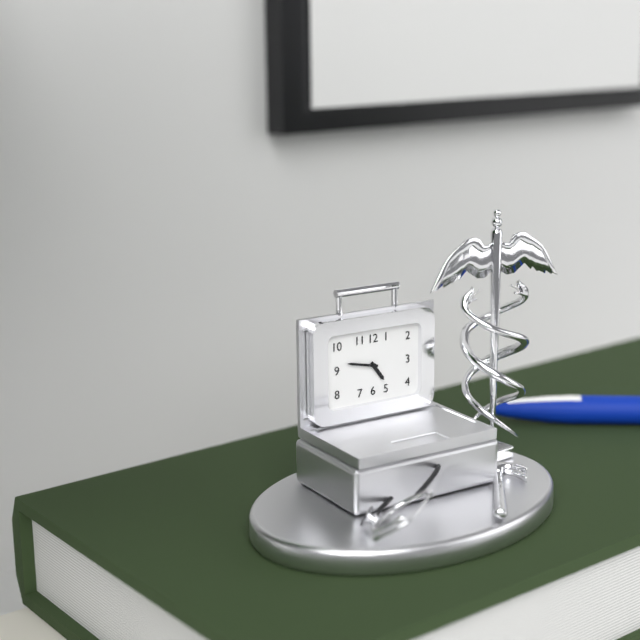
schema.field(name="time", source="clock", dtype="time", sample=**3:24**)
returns **4:47**
